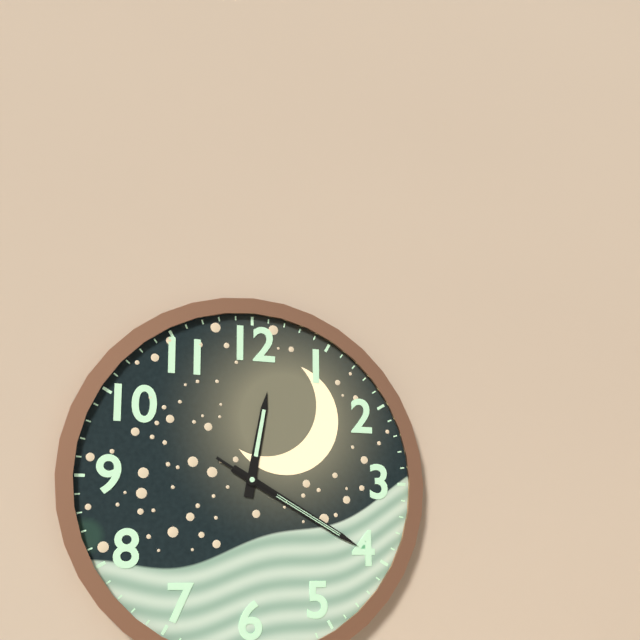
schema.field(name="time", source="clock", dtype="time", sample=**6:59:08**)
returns **12:20:20**
